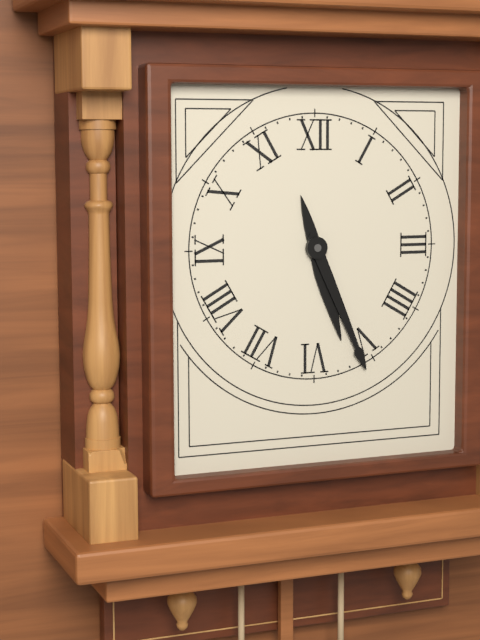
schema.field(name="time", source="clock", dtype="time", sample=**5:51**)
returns **5:26**
